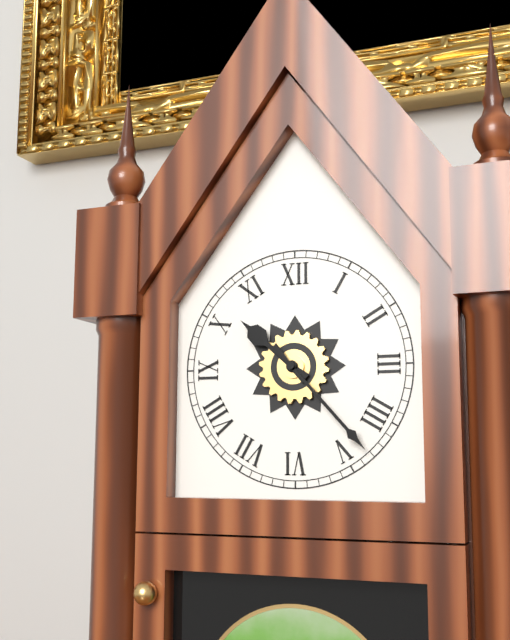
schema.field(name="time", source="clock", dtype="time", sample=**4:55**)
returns **10:23**
